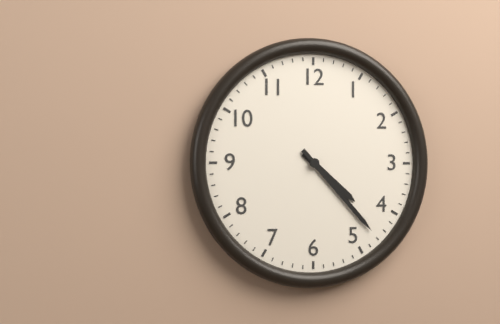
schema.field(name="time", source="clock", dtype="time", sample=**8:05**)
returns **4:23**
